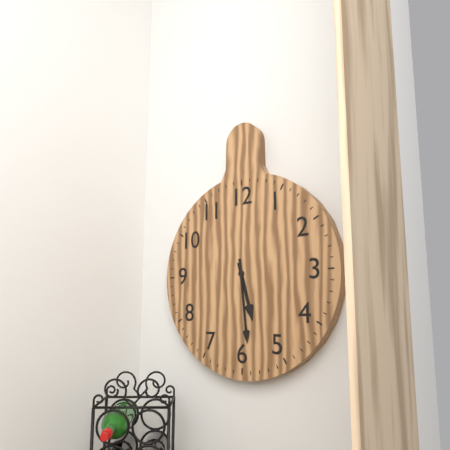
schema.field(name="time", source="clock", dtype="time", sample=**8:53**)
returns **5:29**
